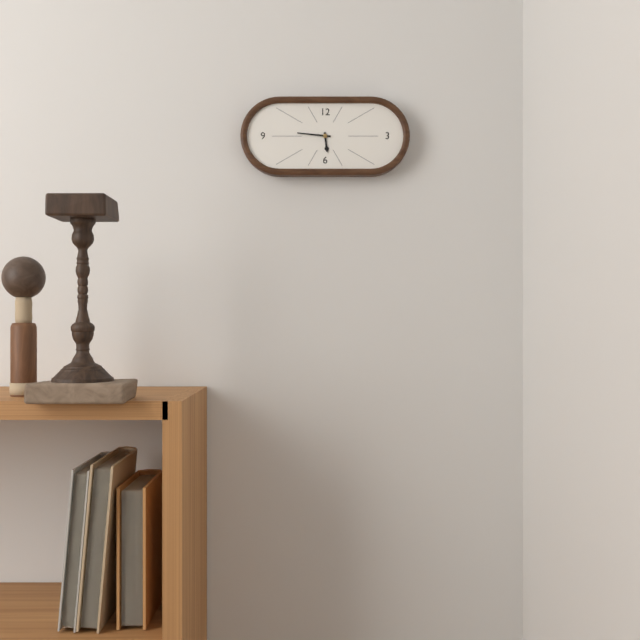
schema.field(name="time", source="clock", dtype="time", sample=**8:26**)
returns **5:46**
